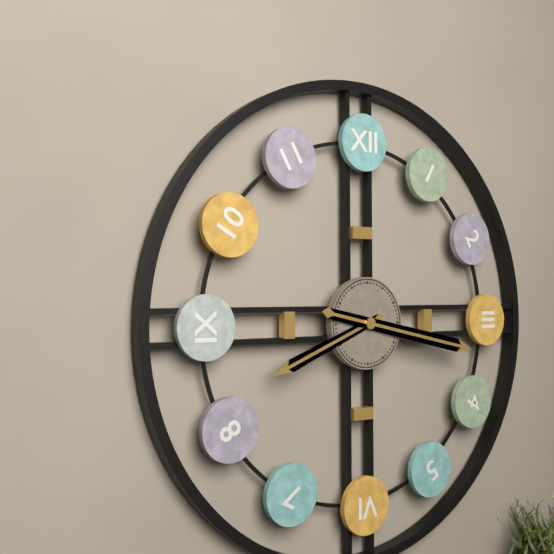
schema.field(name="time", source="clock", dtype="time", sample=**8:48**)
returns **8:17**
